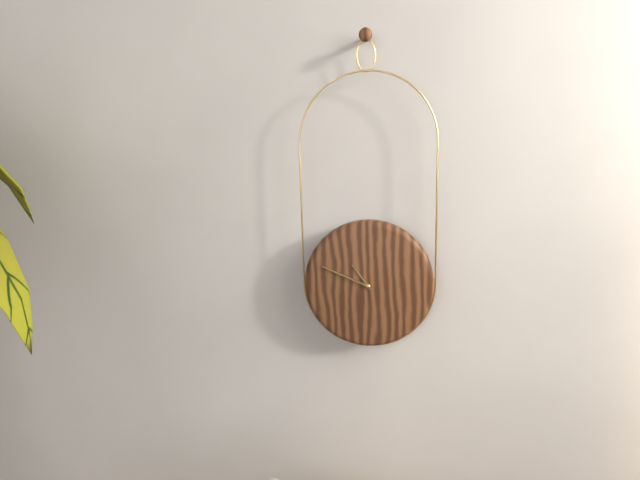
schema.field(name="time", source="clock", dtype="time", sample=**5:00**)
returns **10:49**
